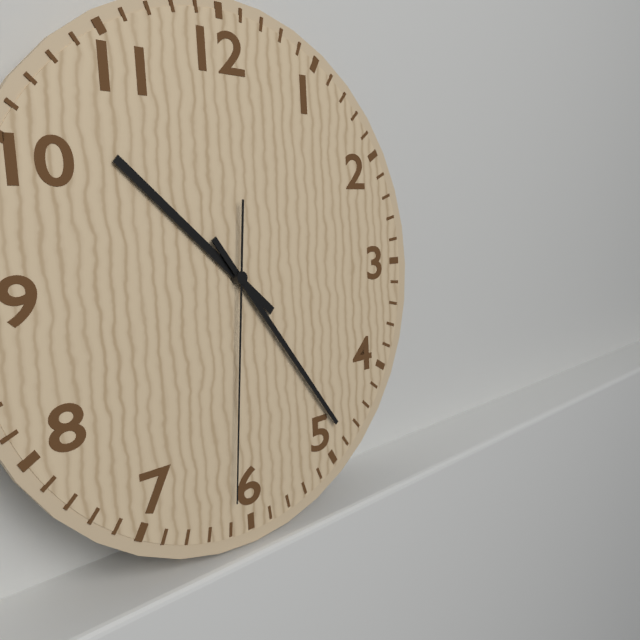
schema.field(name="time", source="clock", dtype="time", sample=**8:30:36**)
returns **10:24:31**
